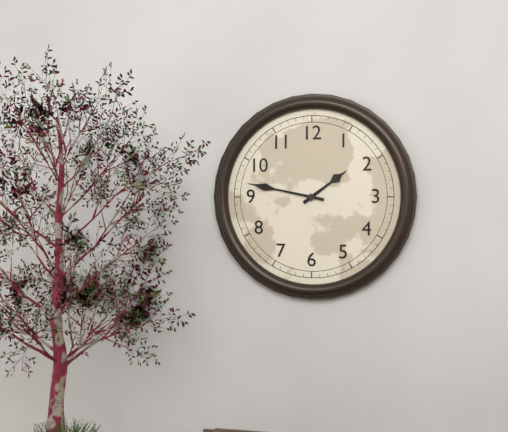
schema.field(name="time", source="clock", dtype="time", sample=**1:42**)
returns **1:47**
